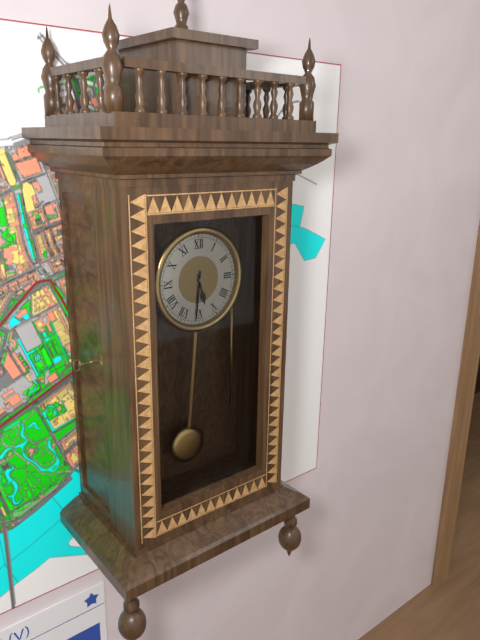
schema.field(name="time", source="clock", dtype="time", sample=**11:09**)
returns **5:31**
